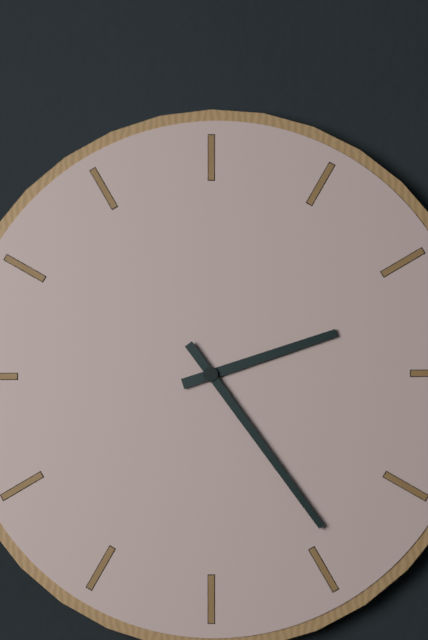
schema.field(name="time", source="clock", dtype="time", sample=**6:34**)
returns **2:24**
